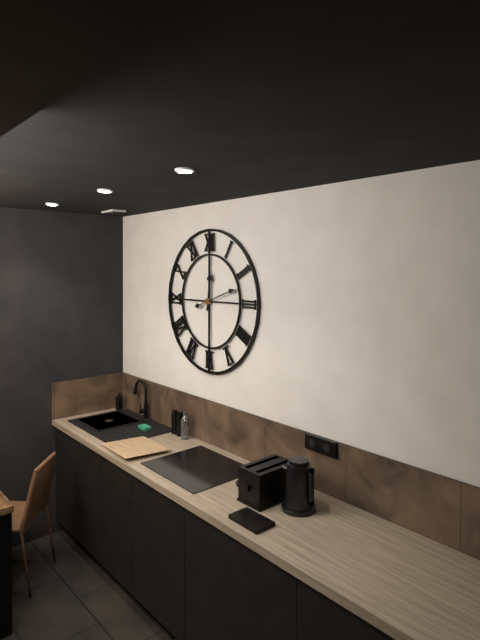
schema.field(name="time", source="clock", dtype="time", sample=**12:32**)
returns **12:12**
